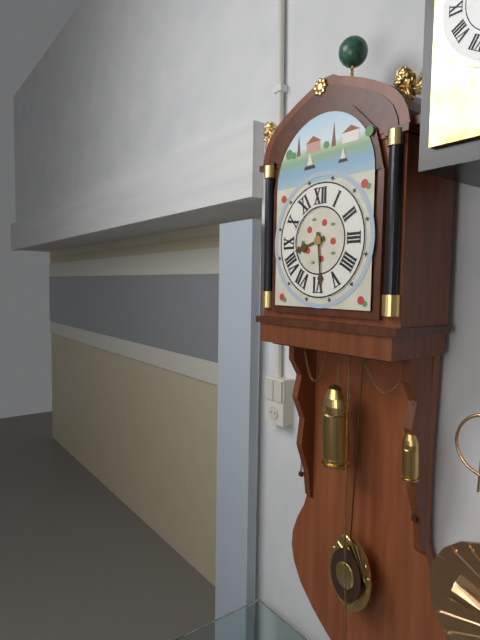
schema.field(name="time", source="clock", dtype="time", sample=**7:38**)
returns **8:29**
